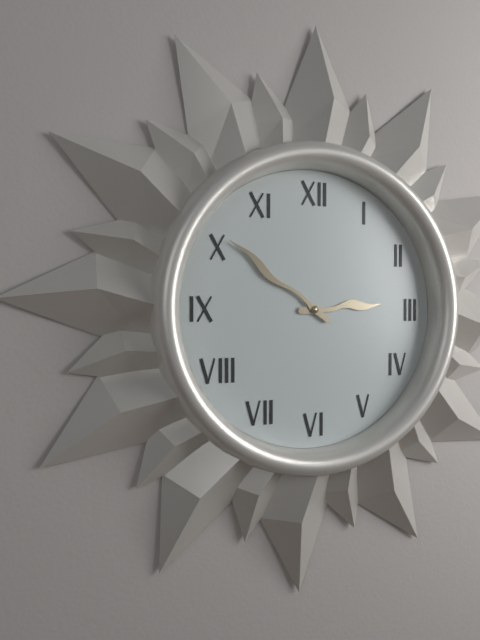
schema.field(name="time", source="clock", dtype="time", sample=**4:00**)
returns **2:51**
